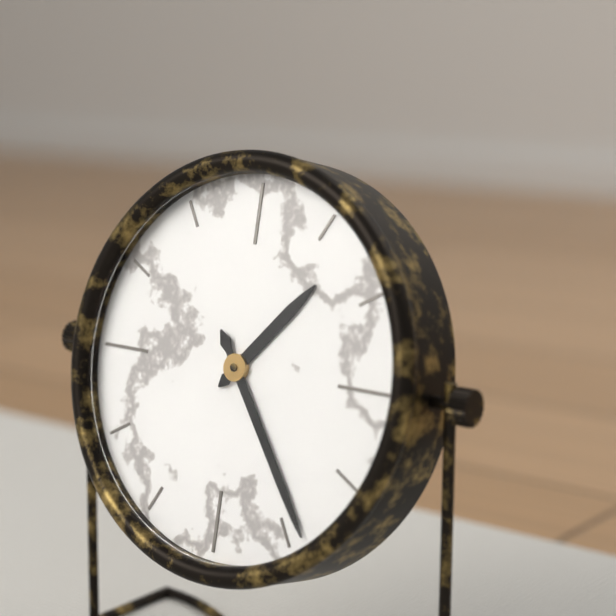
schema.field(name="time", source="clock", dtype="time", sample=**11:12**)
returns **1:24**
